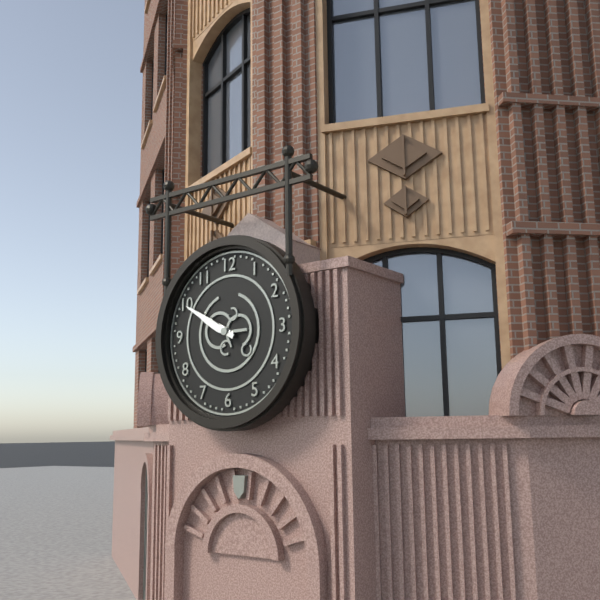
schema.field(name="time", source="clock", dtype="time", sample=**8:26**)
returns **9:50**
